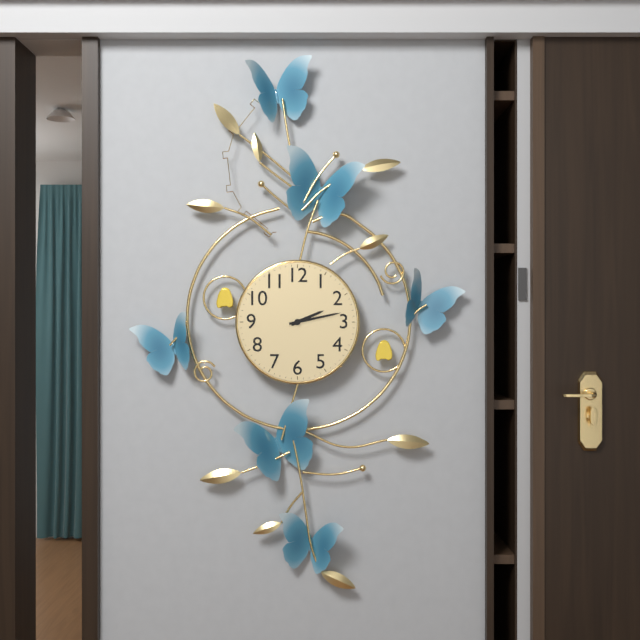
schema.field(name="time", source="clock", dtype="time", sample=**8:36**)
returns **2:13**
